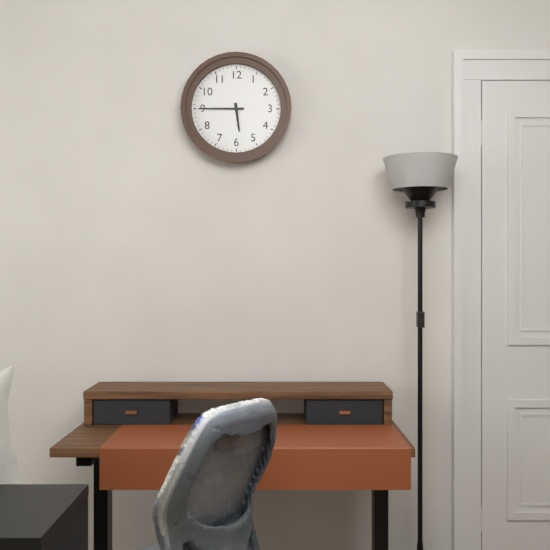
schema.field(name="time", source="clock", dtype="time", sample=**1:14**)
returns **5:45**
